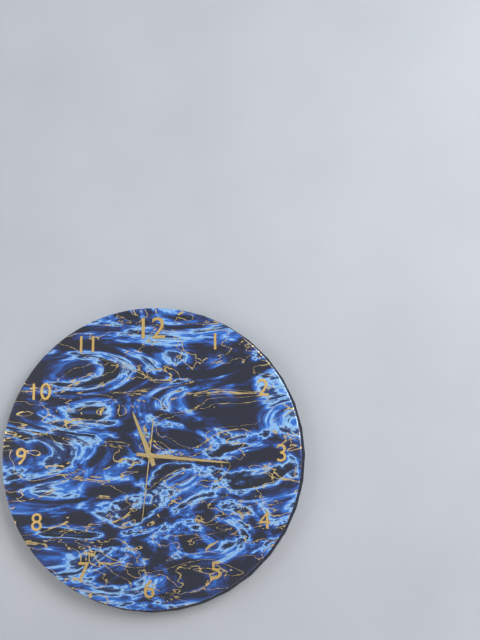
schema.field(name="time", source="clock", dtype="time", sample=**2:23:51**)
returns **11:16:31**
